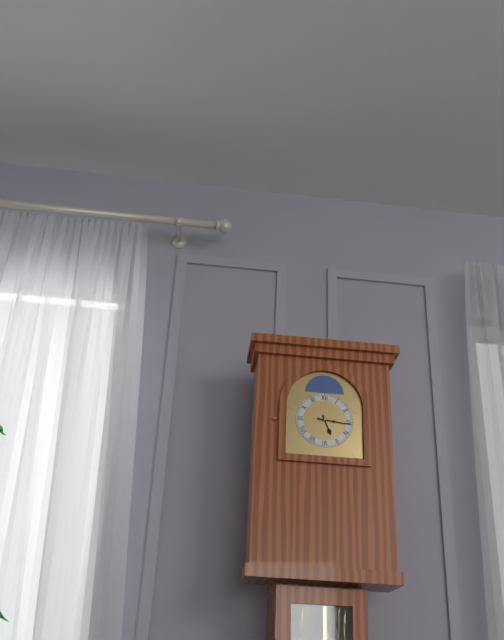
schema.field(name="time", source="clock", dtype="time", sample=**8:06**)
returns **5:16**
